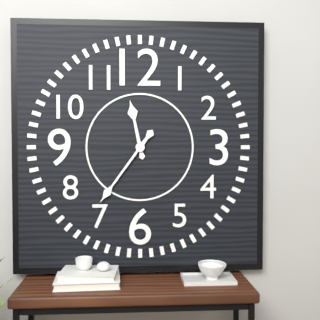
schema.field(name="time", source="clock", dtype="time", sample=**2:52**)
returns **11:36**
